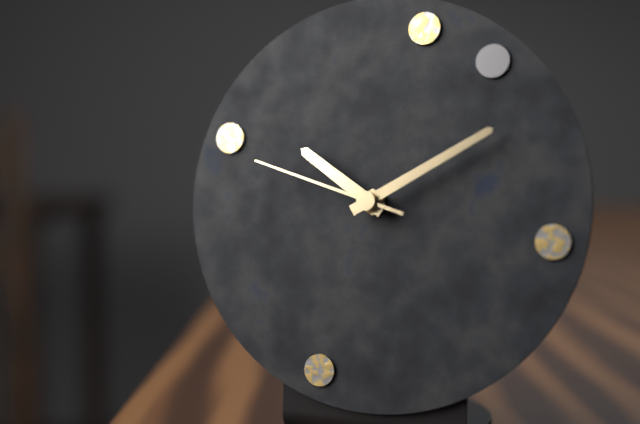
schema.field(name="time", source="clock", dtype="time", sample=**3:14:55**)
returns **10:10:48**
